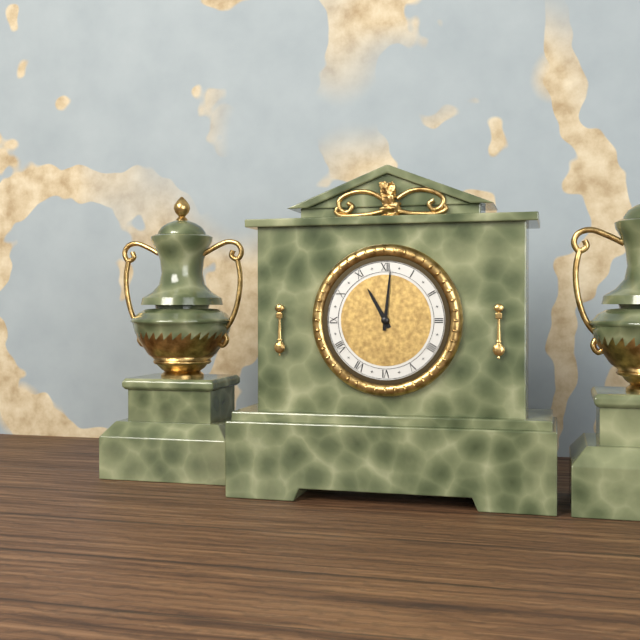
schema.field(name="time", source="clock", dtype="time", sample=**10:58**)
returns **11:01**
